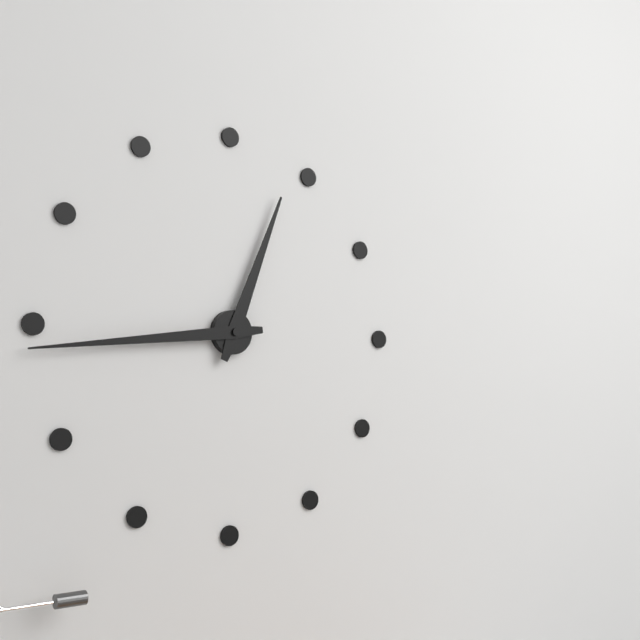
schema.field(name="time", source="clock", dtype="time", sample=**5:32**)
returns **12:44**
